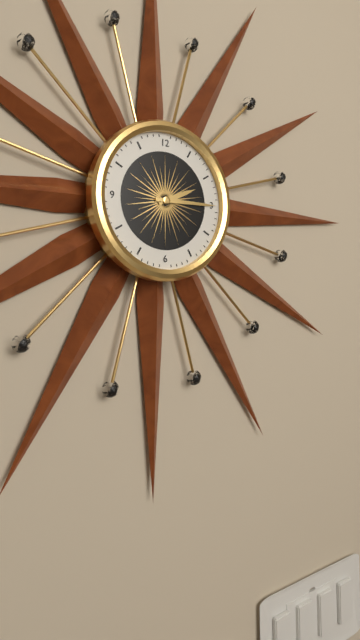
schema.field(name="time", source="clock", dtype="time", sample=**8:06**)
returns **2:15**
